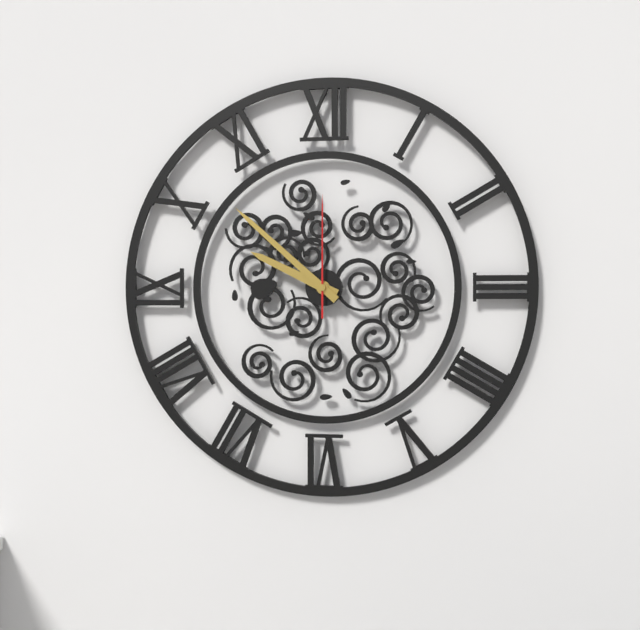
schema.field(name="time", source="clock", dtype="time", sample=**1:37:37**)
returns **9:52:00**
